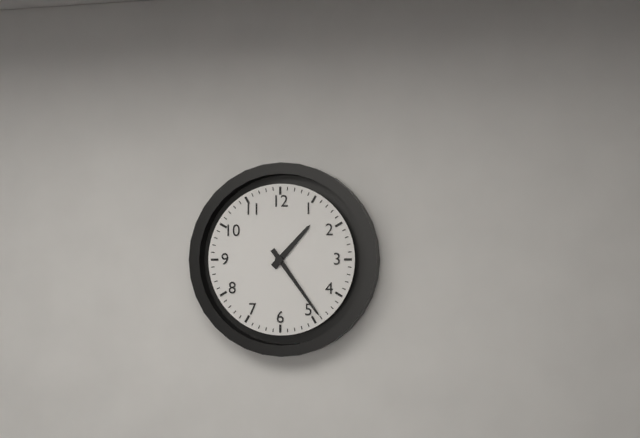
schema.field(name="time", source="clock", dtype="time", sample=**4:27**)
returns **1:24**
